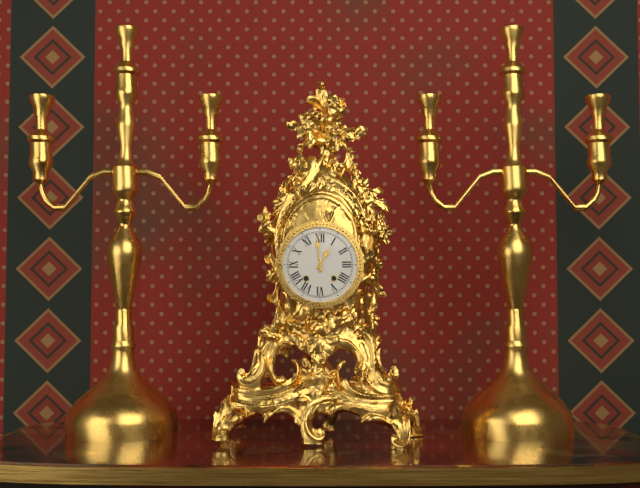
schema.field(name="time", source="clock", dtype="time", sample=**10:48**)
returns **12:59**
